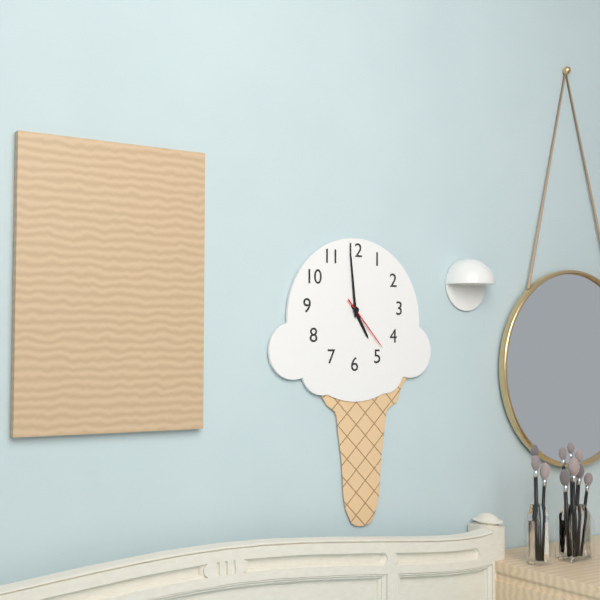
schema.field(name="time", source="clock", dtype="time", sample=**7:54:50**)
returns **4:59:23**
